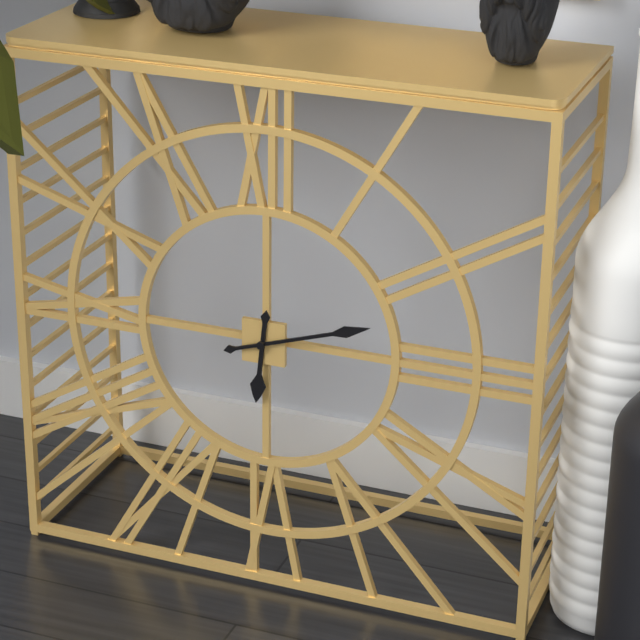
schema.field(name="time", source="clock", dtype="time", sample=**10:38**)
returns **6:12**
